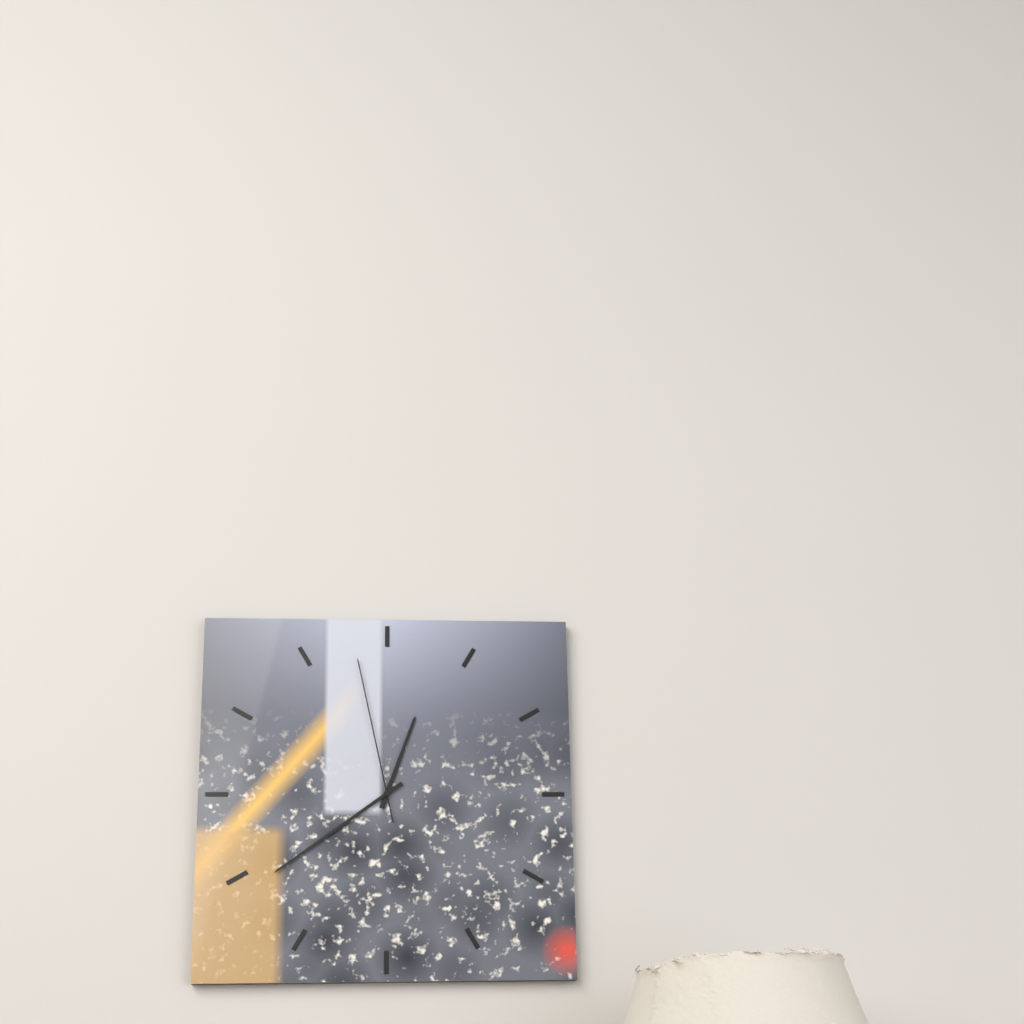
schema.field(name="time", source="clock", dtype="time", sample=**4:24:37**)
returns **12:39:58**
